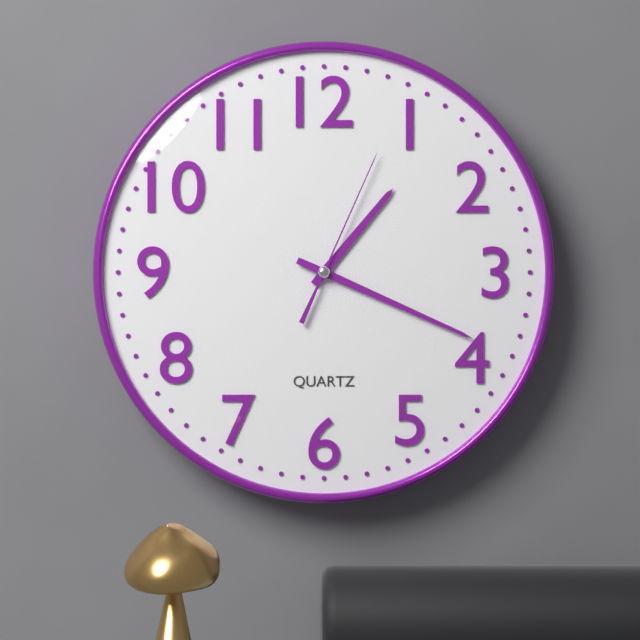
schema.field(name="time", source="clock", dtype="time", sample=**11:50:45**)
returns **1:19:04**
